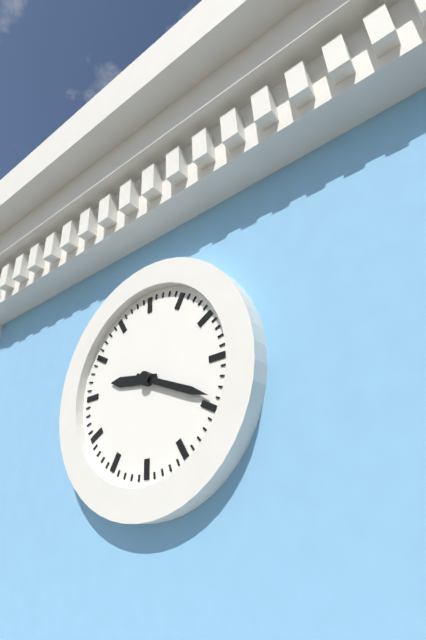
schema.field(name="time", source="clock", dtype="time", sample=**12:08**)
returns **9:19**
